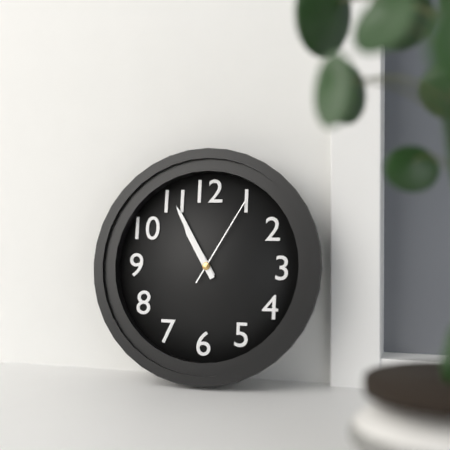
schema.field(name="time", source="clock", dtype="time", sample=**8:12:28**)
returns **10:55:05**
